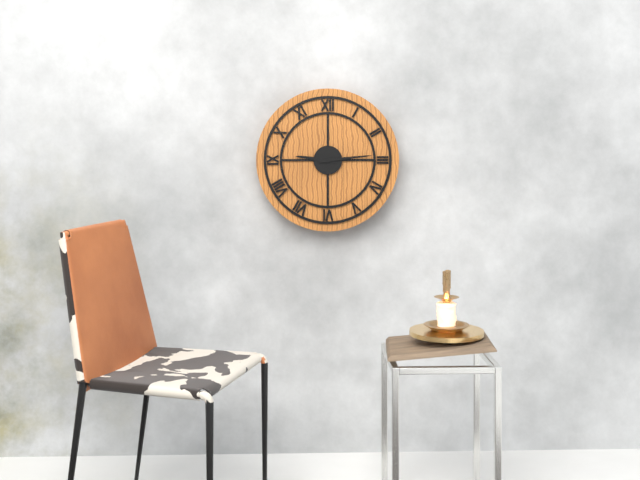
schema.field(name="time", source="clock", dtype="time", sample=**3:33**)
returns **9:14**
